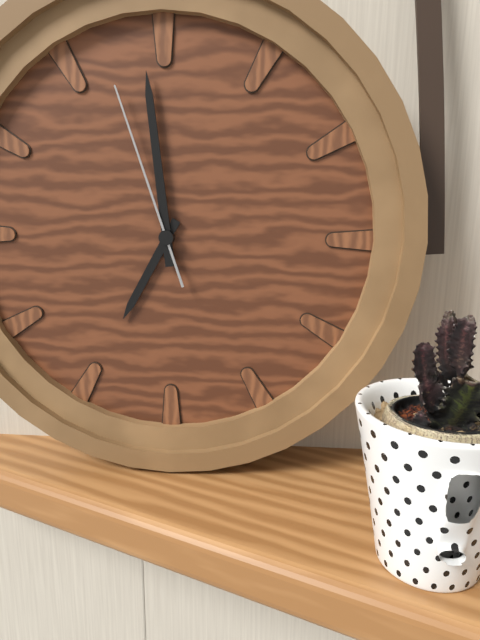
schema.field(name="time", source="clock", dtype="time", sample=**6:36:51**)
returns **6:59:57**
